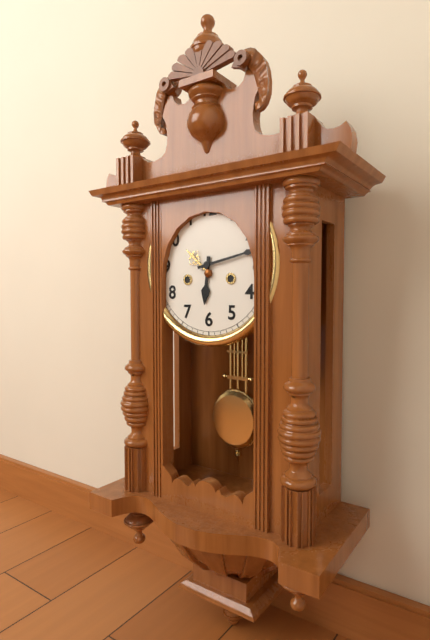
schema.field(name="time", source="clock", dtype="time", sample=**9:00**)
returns **6:13**
